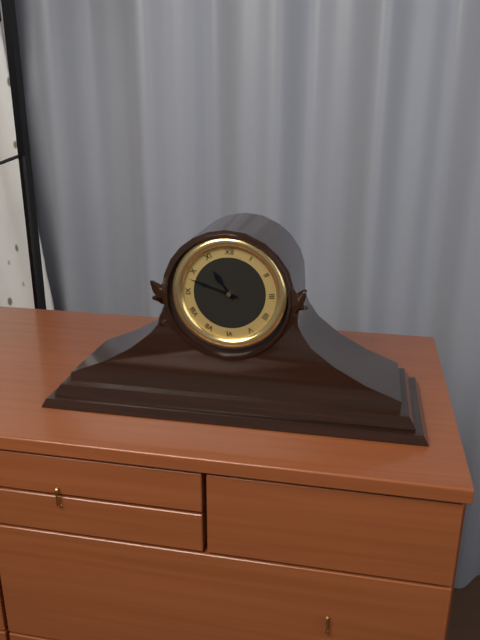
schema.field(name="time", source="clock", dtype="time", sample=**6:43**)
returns **10:48**
